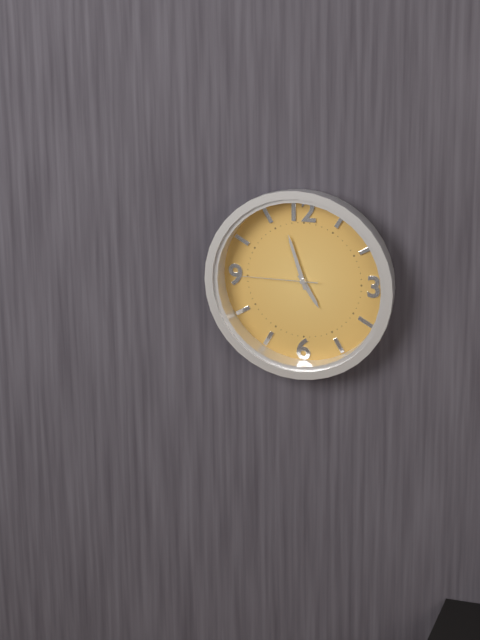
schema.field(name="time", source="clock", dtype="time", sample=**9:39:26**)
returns **4:57:45**
